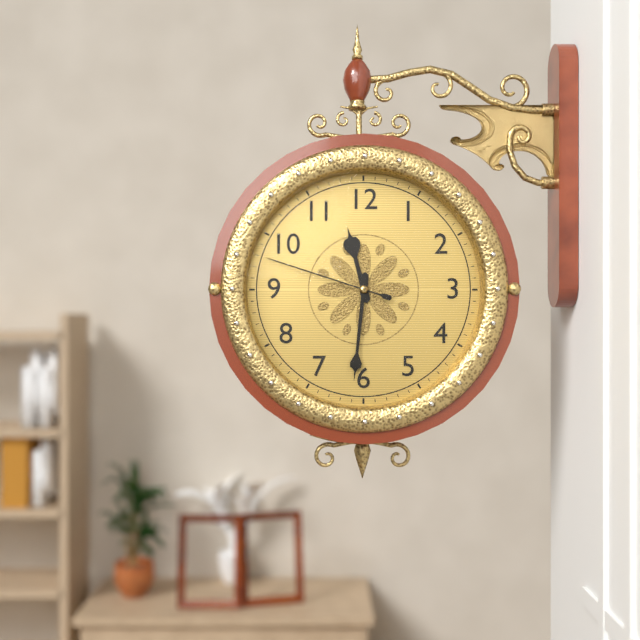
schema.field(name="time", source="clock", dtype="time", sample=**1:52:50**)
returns **11:31:48**
